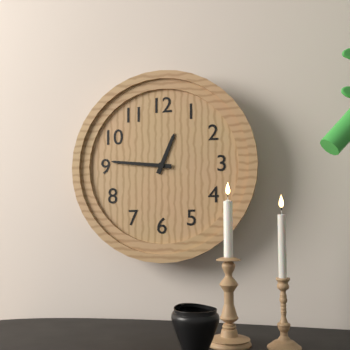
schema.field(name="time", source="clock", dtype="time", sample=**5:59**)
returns **12:46**
